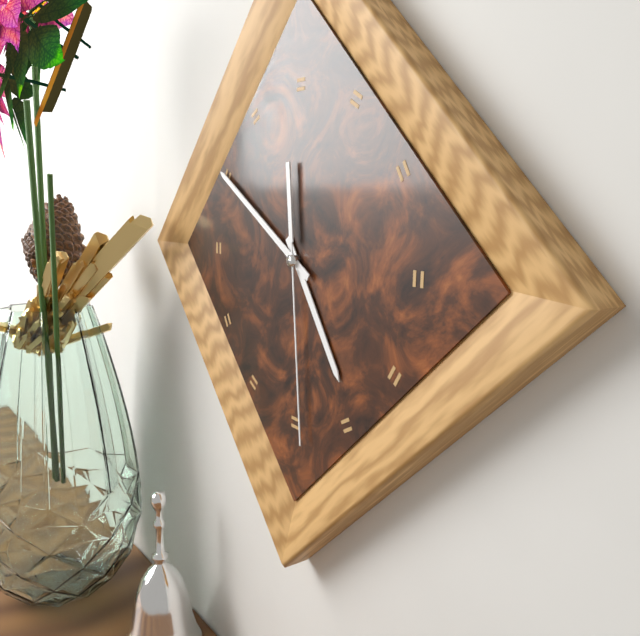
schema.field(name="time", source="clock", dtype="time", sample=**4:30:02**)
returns **4:50:29**
